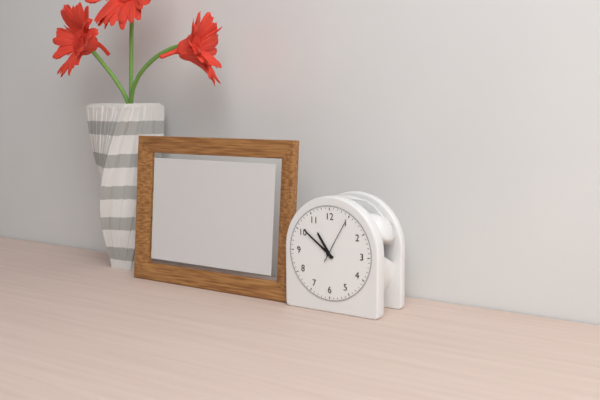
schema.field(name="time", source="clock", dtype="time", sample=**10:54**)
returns **10:51**
